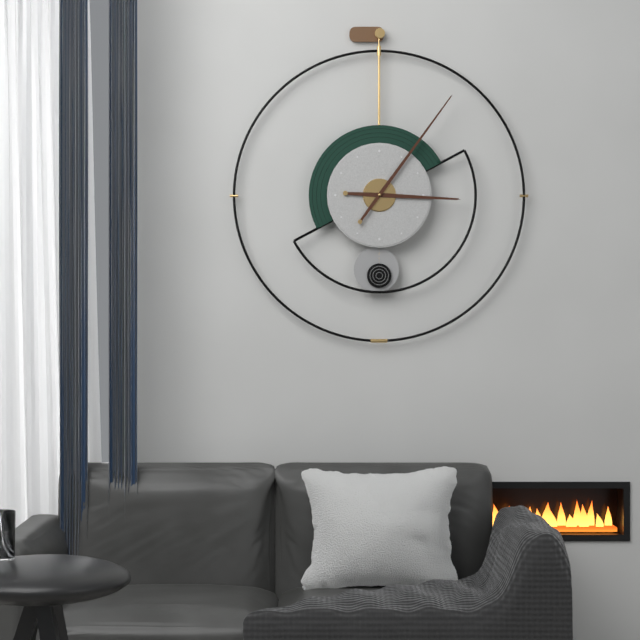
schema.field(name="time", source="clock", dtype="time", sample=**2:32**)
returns **3:06**
